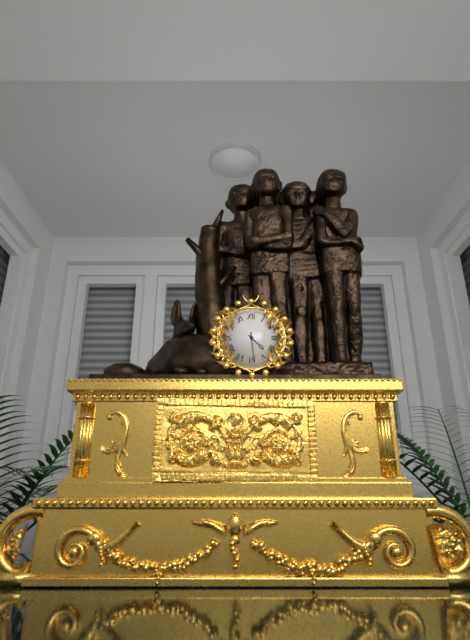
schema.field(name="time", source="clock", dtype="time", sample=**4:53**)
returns **4:29**
